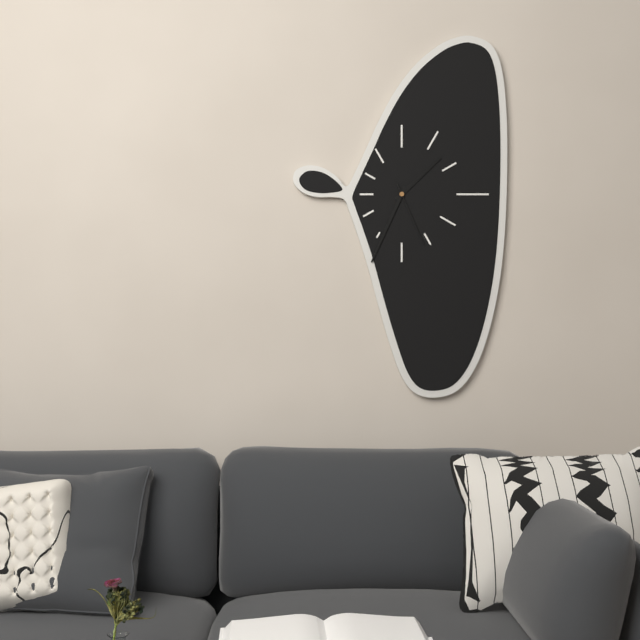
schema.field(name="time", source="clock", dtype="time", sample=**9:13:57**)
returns **1:34:26**
